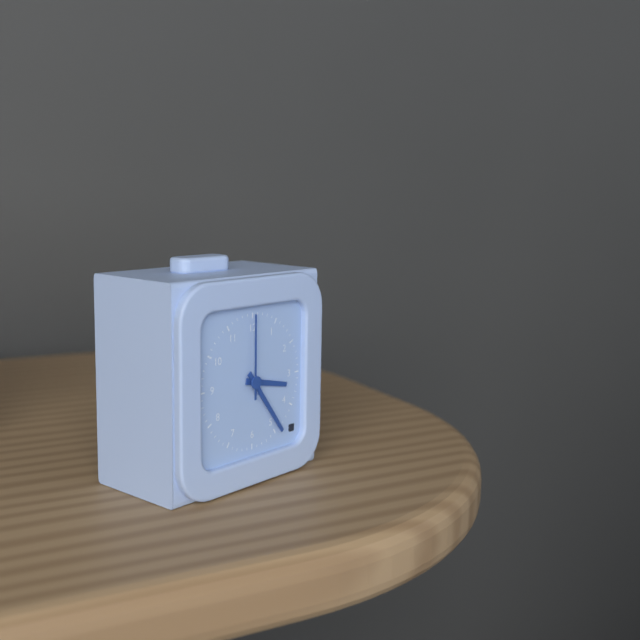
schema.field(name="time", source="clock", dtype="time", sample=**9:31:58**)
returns **3:24:00**
